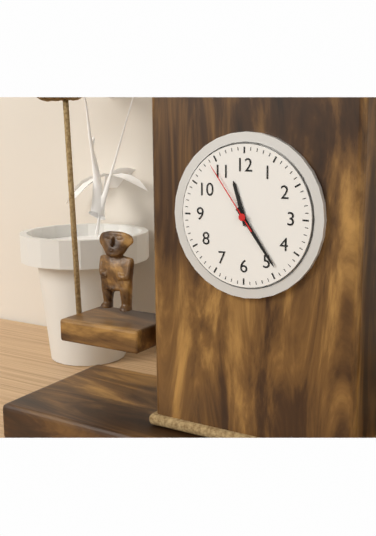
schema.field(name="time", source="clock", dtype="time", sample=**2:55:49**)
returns **11:24:54**
